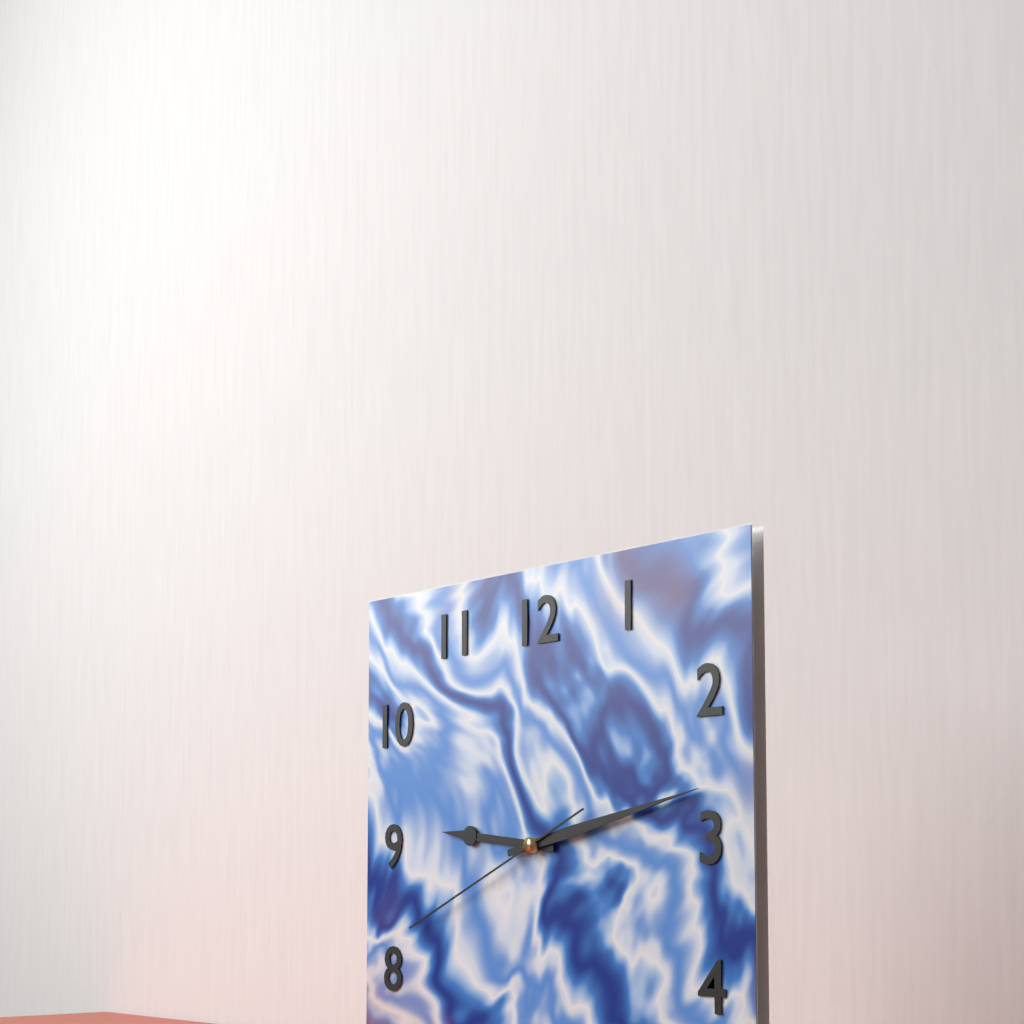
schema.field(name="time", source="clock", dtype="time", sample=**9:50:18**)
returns **9:13:41**
